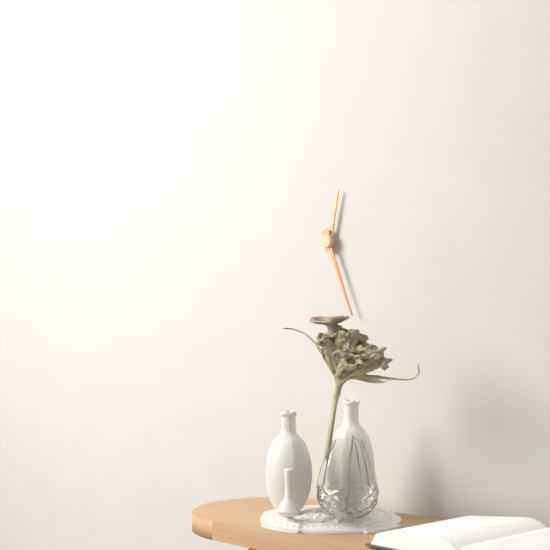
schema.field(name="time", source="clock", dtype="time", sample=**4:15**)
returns **12:26**
